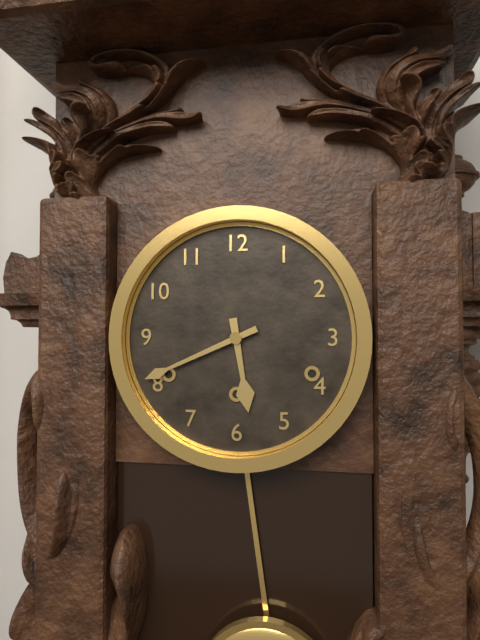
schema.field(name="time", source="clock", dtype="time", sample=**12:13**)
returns **5:41**
